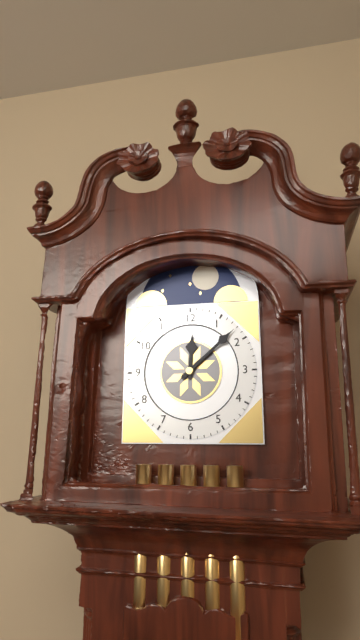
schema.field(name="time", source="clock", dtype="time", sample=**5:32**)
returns **12:08**
